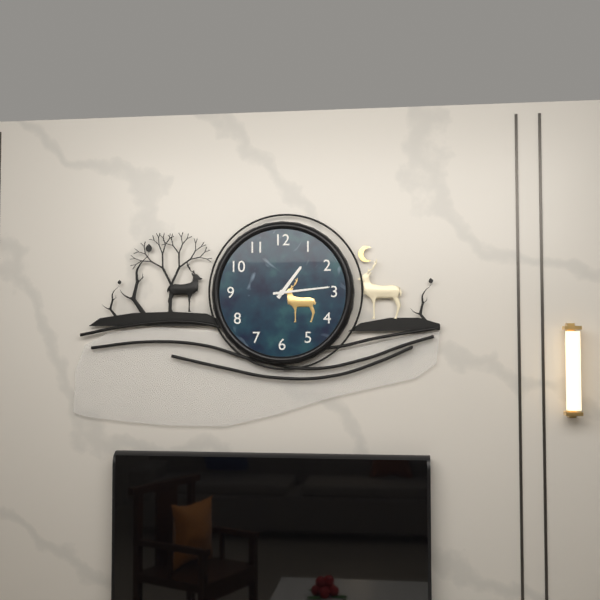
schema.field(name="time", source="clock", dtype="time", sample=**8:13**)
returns **1:14**
